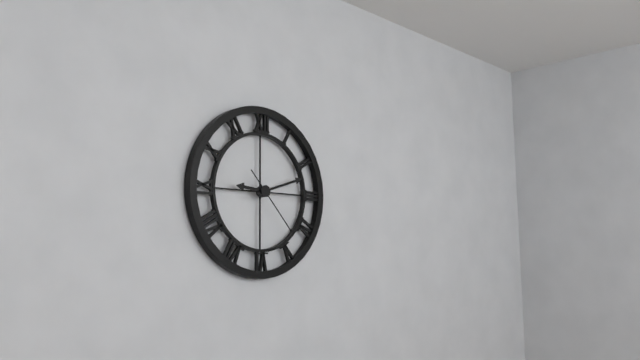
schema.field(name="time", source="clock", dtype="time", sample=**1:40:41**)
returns **9:12:23**
